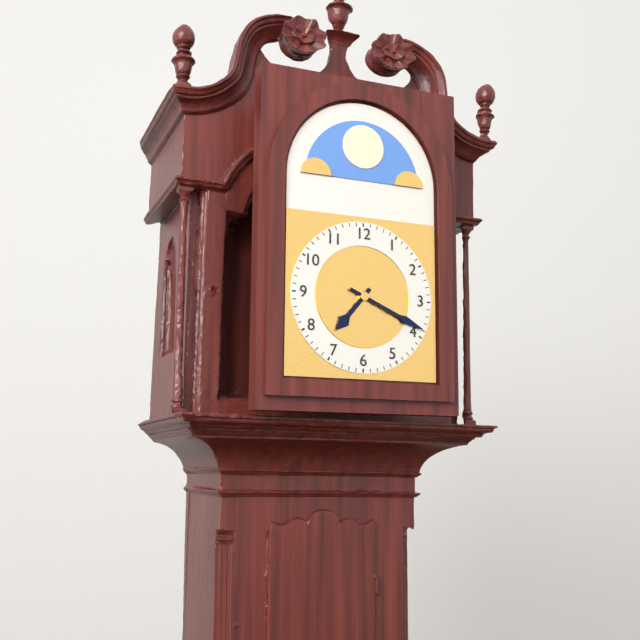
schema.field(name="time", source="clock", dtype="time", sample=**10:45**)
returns **7:19**
